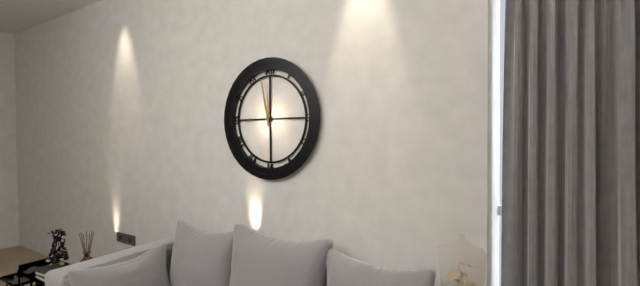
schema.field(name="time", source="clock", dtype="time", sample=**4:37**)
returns **11:58**
